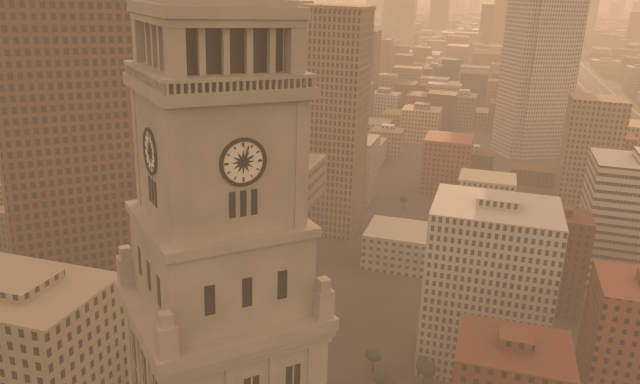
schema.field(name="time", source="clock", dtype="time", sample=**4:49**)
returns **2:03**
